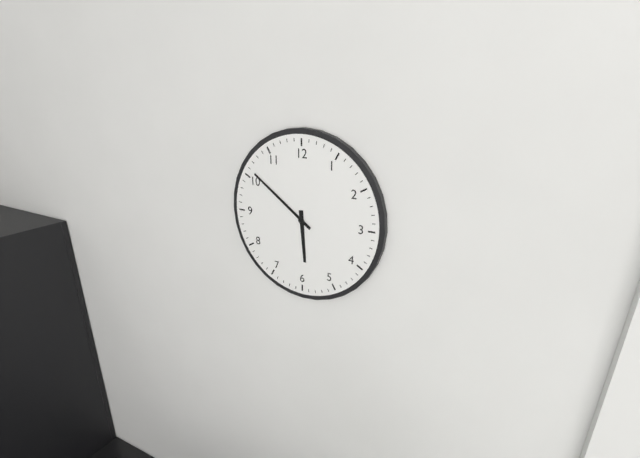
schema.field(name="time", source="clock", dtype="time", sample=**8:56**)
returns **5:51**
